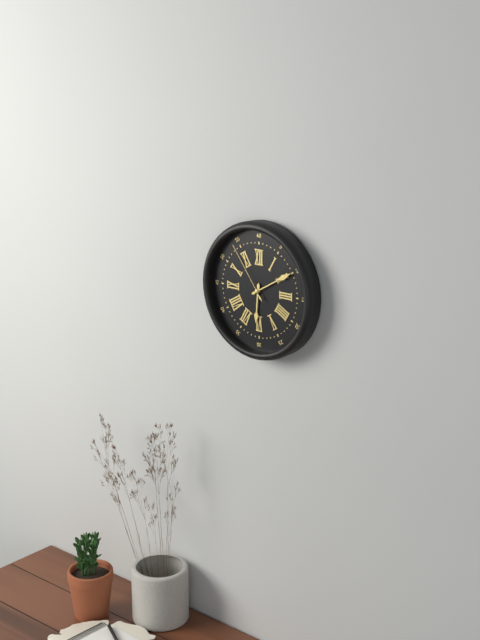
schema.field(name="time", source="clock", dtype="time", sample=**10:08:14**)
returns **6:10:54**
